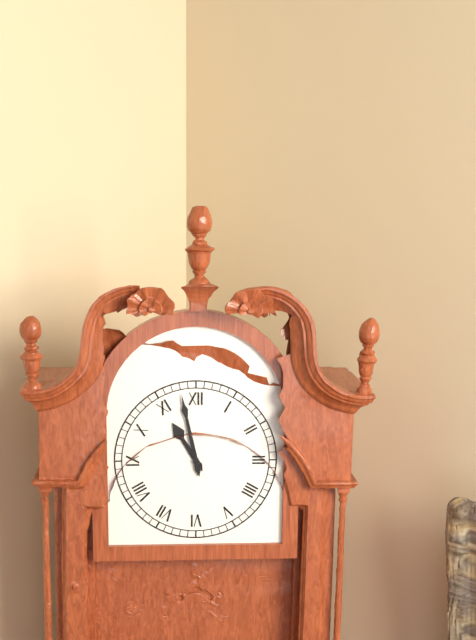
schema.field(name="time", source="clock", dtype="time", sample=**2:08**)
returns **10:58**
